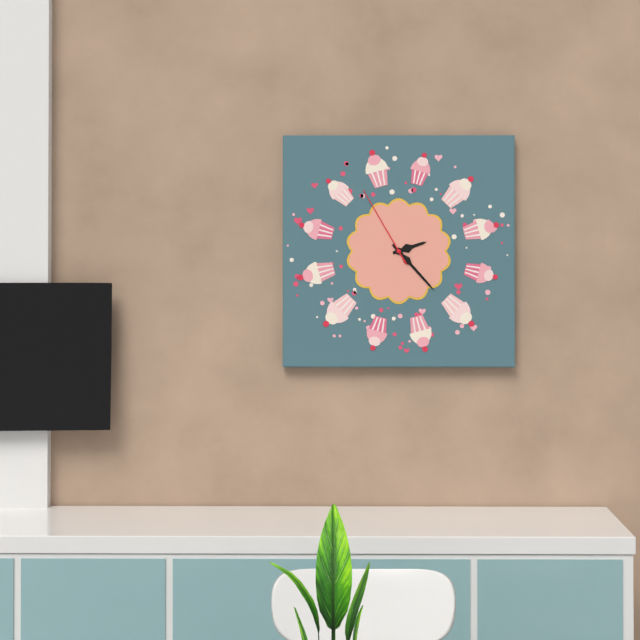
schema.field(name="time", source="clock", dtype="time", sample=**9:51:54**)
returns **2:23:55**
